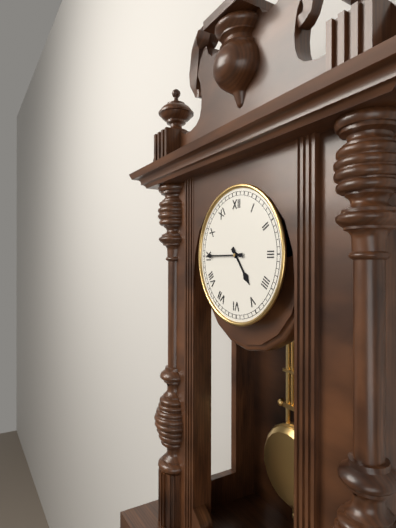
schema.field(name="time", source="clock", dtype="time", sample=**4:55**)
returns **4:45**
